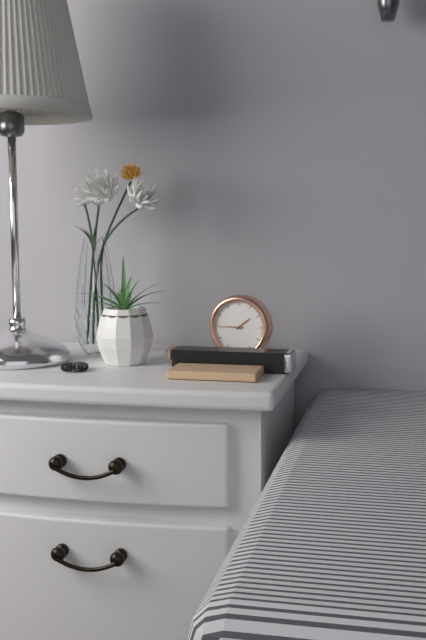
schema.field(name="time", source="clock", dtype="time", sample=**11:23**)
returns **1:45**
